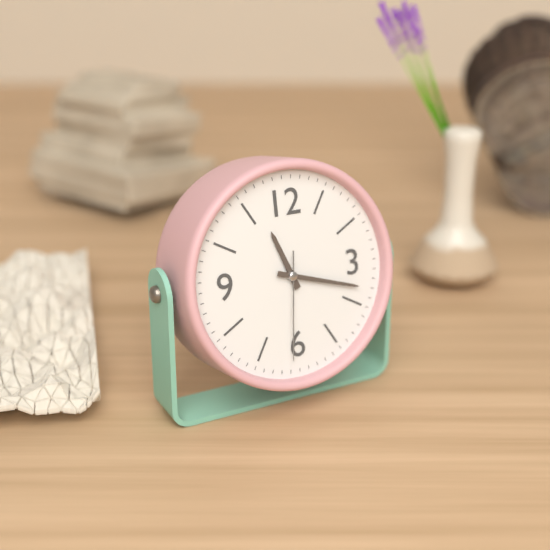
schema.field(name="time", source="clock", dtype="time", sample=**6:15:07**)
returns **11:18:31**
